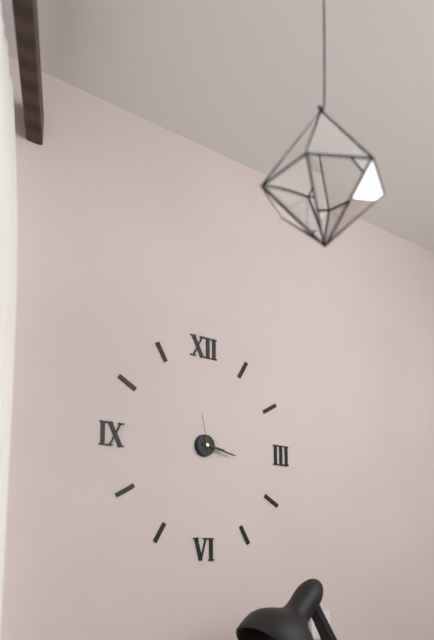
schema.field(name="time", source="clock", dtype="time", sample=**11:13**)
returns **3:17**
